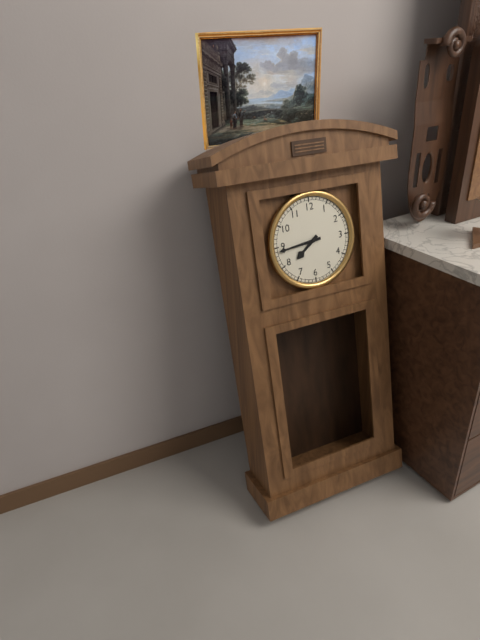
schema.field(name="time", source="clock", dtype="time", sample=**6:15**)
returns **7:44**
